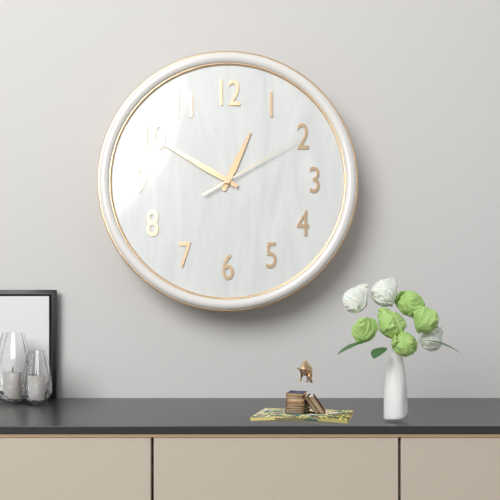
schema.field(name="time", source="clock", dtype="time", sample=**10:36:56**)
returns **12:50:10**
